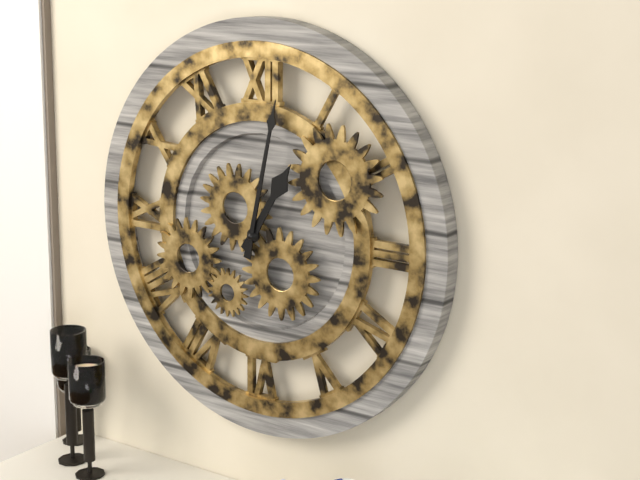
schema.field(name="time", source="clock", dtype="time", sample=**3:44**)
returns **1:02**
